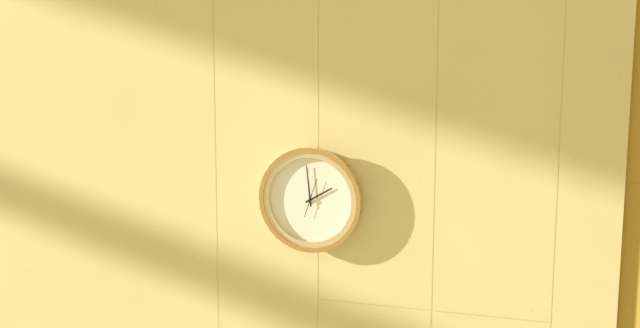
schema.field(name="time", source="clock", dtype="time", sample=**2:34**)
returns **1:59**
